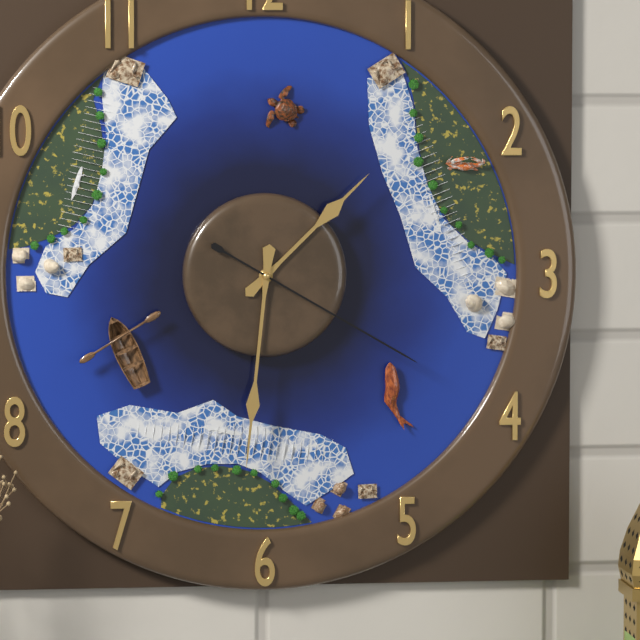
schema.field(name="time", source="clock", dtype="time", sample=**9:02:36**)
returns **1:31:20**
